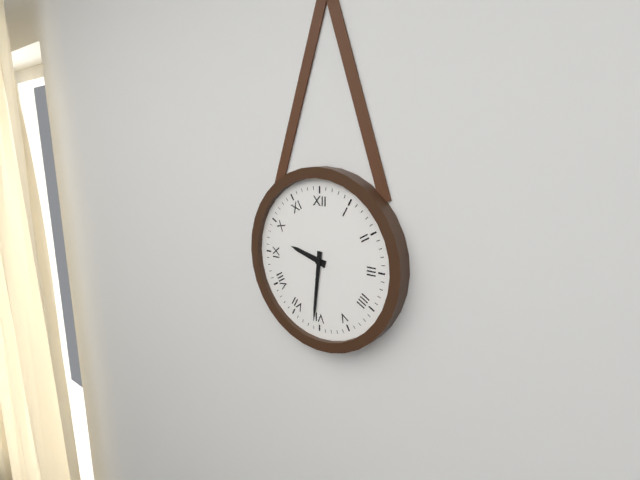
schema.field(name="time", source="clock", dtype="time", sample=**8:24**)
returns **9:31**
